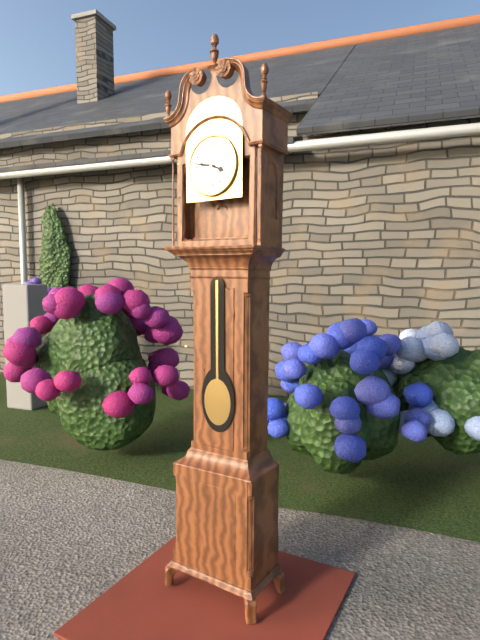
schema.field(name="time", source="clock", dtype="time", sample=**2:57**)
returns **3:47**
